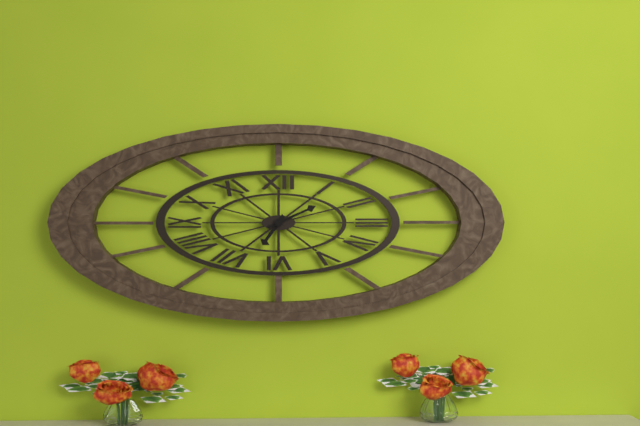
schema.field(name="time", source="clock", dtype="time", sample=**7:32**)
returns **7:11**
